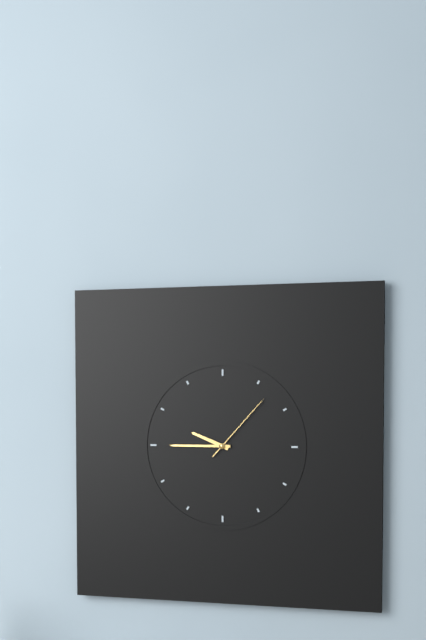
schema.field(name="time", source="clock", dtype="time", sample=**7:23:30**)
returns **9:45:07**
